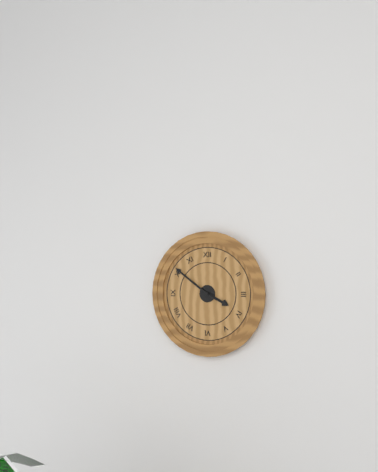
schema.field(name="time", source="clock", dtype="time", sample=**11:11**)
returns **3:51**
